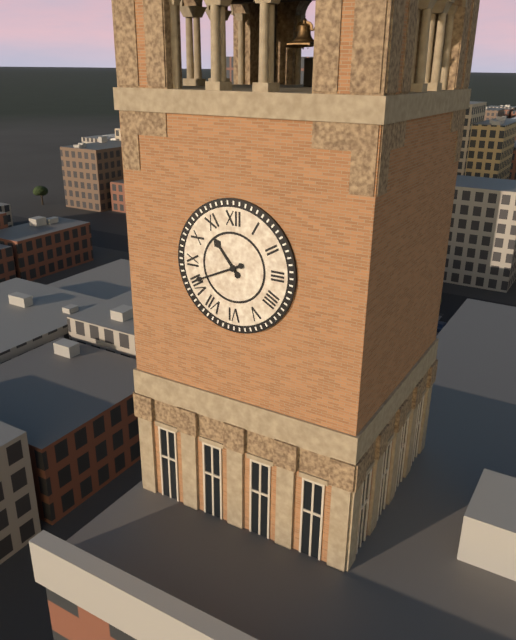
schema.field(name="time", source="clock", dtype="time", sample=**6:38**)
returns **10:41**
